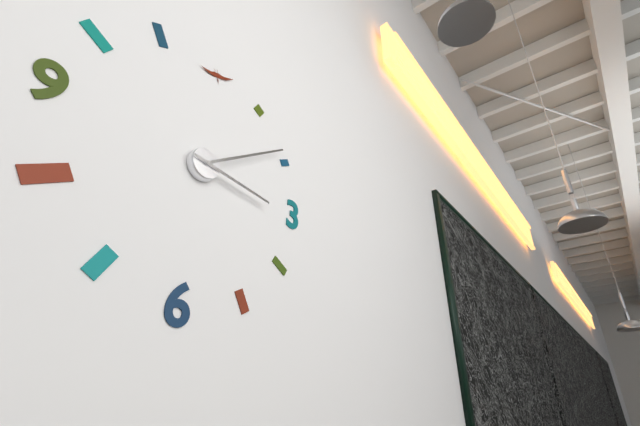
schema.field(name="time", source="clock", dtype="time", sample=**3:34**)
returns **3:09**
